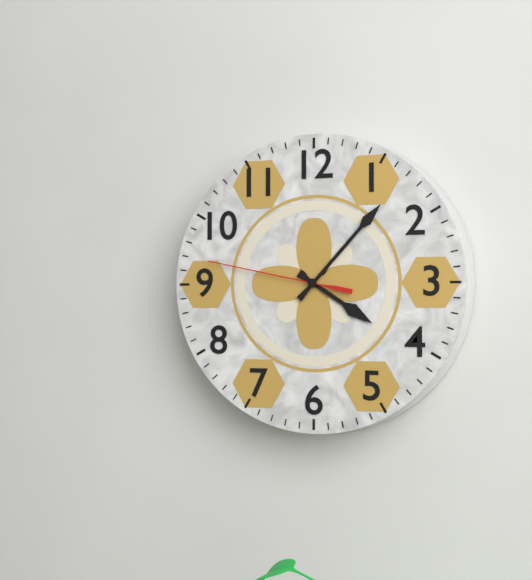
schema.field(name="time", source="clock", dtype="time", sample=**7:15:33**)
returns **4:07:47**
